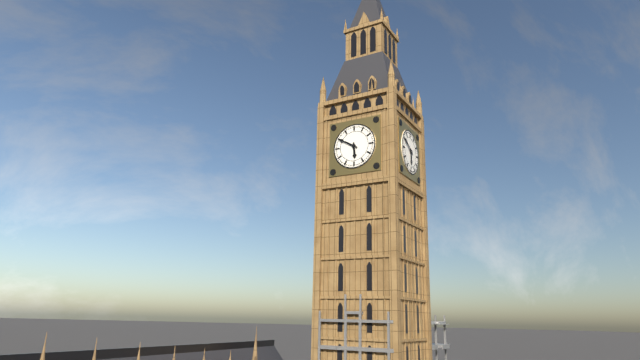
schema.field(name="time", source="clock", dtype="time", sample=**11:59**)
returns **5:50**
